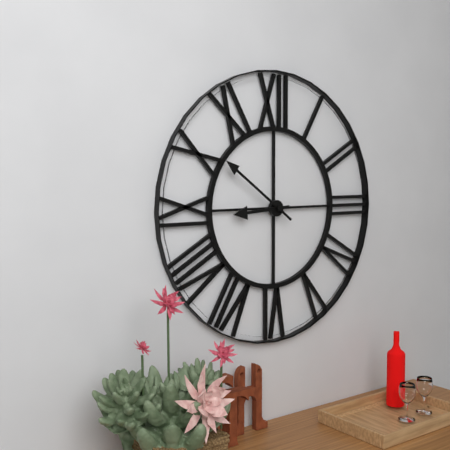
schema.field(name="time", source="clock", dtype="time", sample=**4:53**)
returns **8:51**
